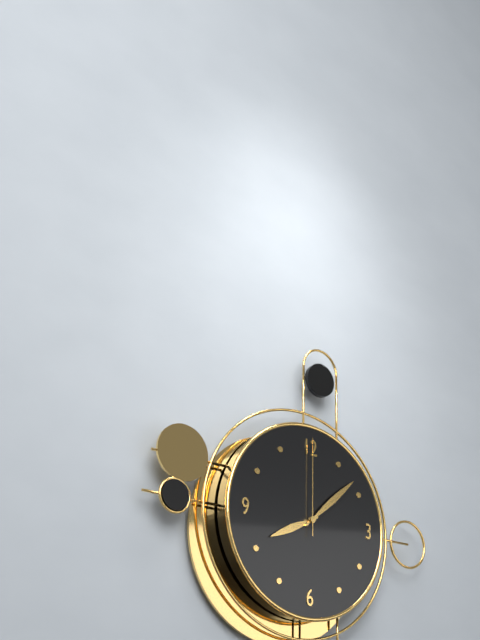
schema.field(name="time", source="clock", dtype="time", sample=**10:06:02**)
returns **8:08:00**
